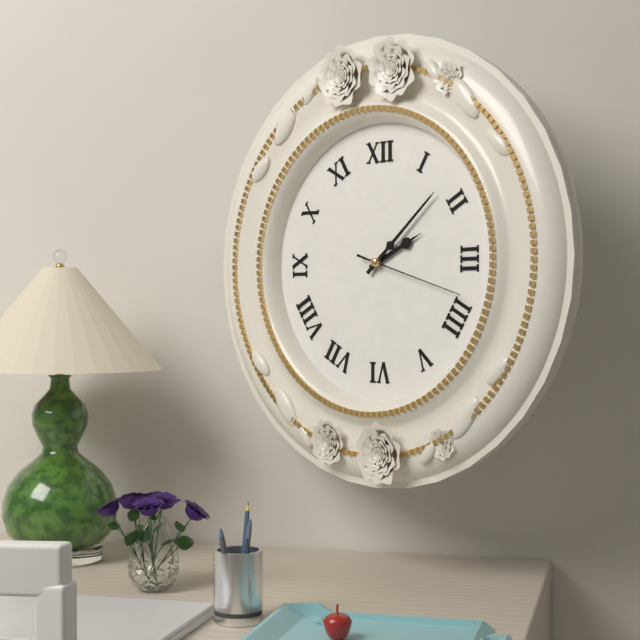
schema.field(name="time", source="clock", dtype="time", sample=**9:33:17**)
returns **2:08:18**
